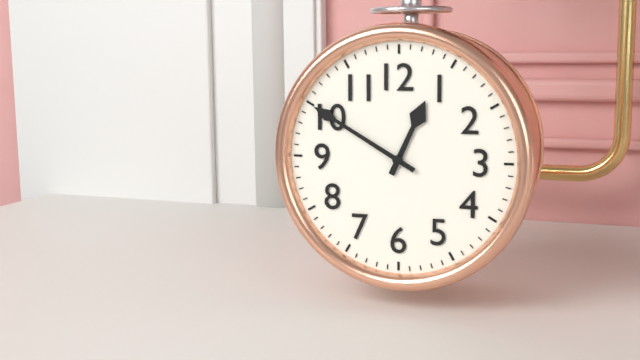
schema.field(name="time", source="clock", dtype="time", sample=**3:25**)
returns **12:50**
